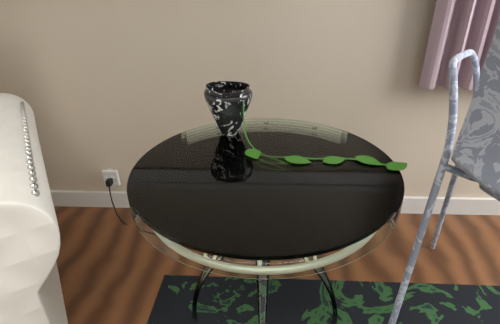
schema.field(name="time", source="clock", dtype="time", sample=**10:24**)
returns **8:41**
